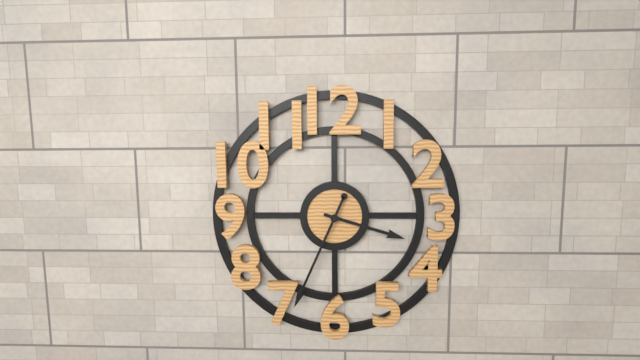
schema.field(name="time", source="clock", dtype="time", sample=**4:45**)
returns **3:34**
